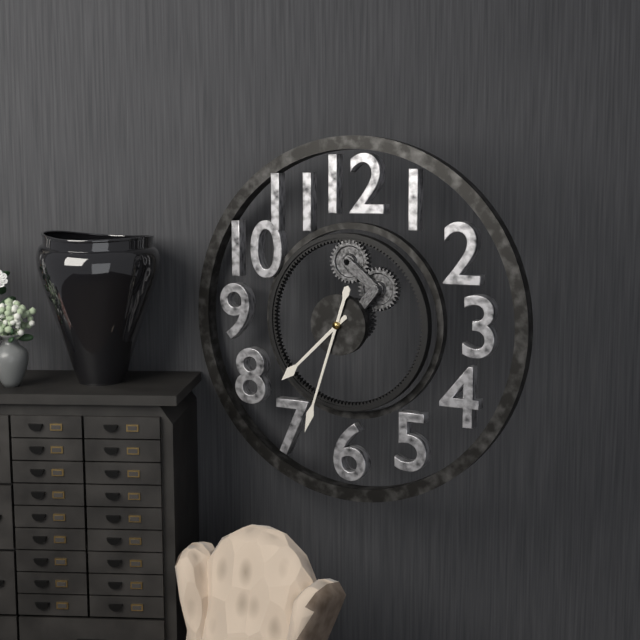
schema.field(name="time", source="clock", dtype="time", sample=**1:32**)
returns **7:33**
